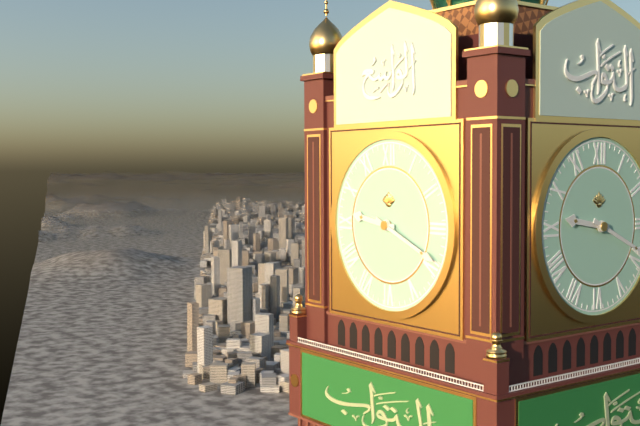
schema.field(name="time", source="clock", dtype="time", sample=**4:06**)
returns **9:19**
